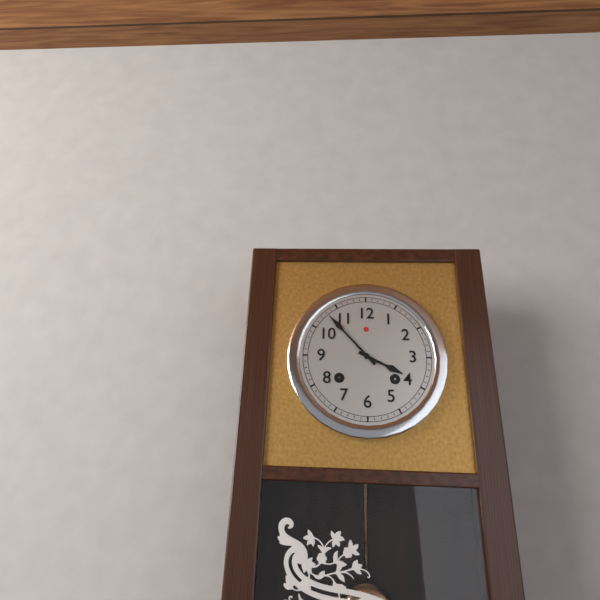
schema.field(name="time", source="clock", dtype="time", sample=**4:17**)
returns **3:53**
